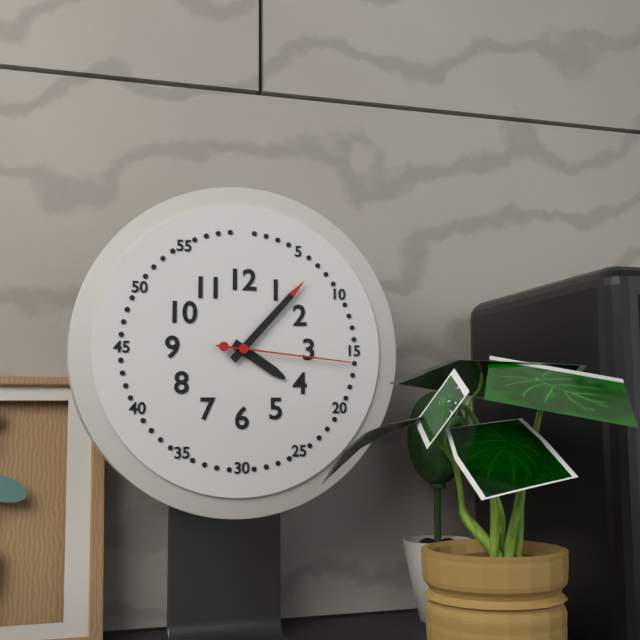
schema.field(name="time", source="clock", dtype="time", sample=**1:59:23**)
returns **4:07:16**
